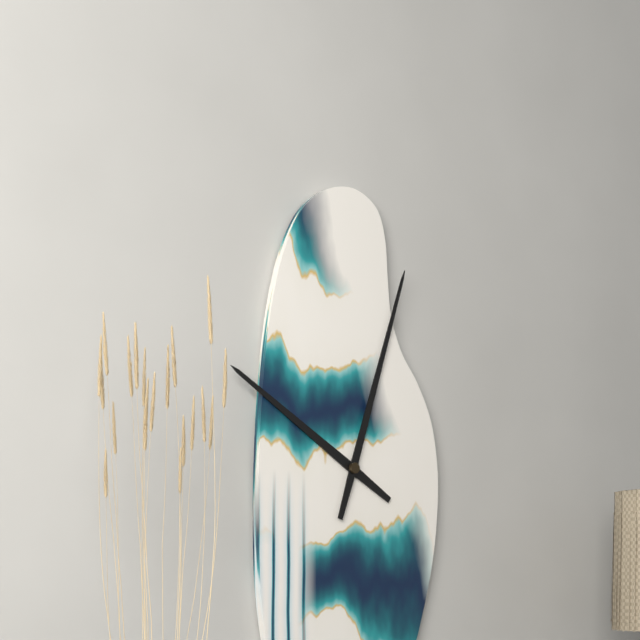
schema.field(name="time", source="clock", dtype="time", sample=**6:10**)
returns **10:03**
